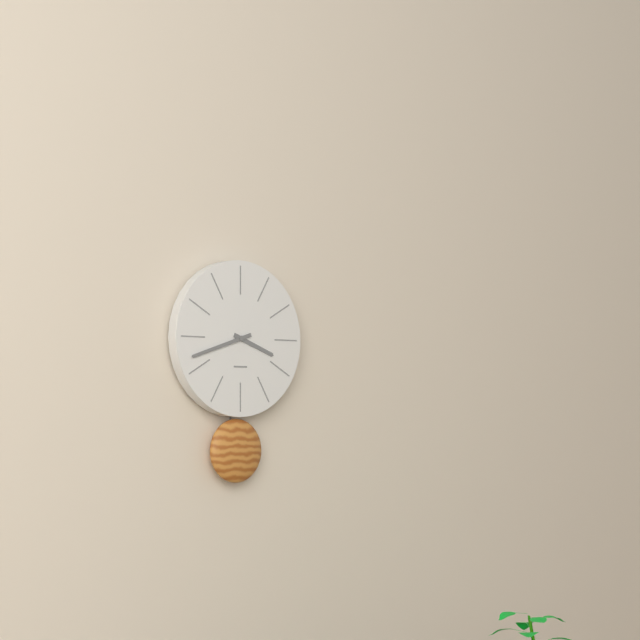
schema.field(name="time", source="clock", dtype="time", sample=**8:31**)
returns **3:42**
